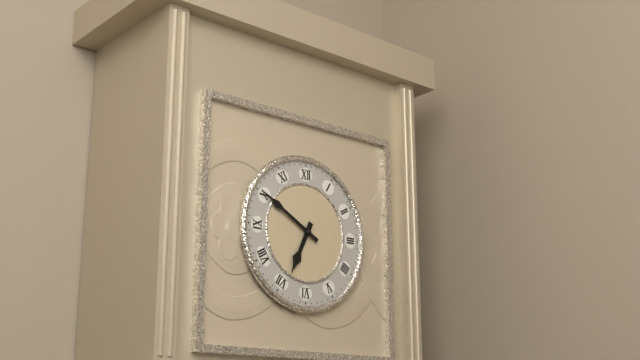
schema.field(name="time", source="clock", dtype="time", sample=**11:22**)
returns **6:50**
